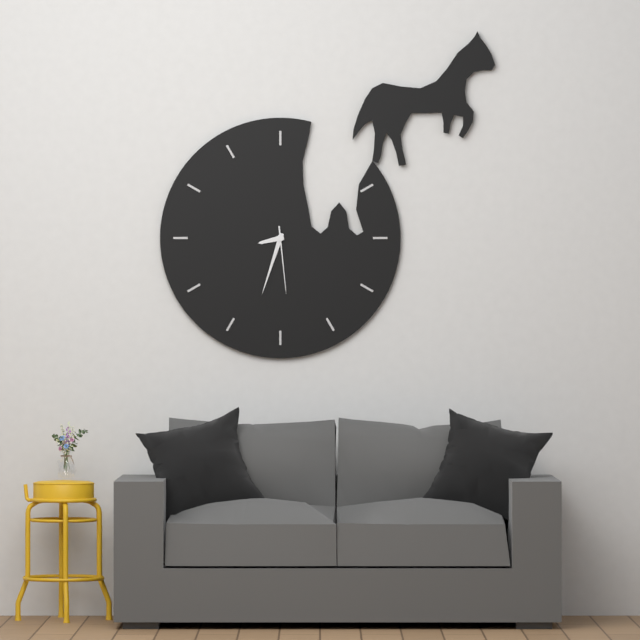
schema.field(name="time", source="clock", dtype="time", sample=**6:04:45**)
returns **8:33:29**
